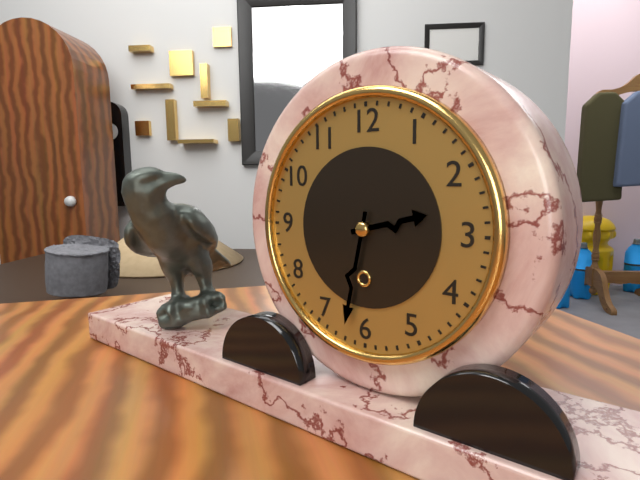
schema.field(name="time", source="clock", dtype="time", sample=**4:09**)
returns **2:32**
